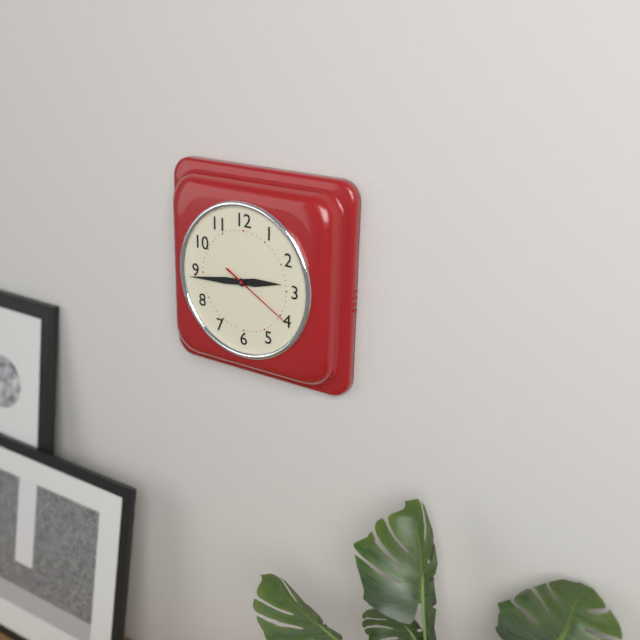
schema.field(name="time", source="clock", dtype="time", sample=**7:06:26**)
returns **2:44:20**
